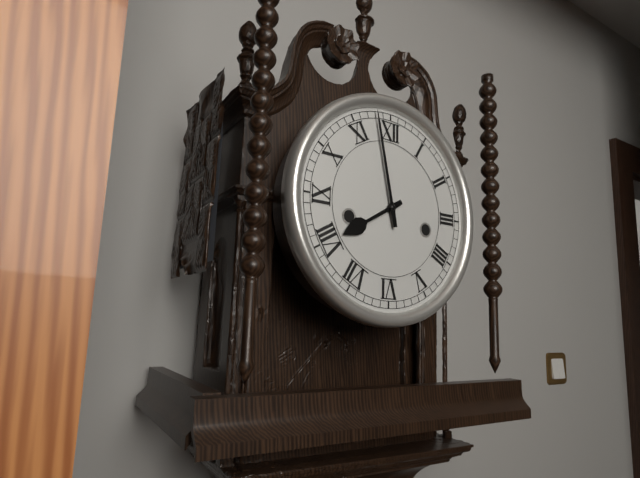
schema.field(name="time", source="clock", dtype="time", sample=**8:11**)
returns **7:58**
